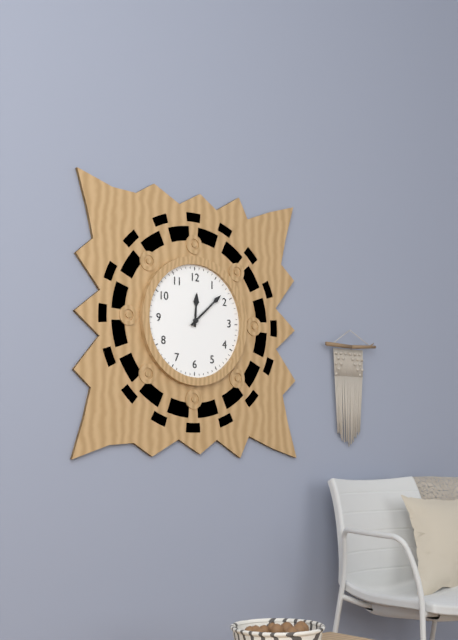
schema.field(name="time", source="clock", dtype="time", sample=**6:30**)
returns **12:08**
